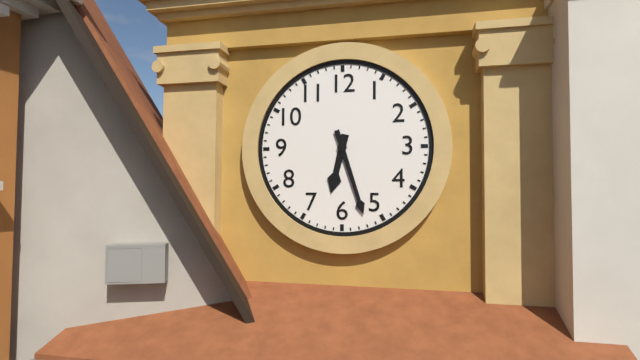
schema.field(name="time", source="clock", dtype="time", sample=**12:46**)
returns **6:27**
